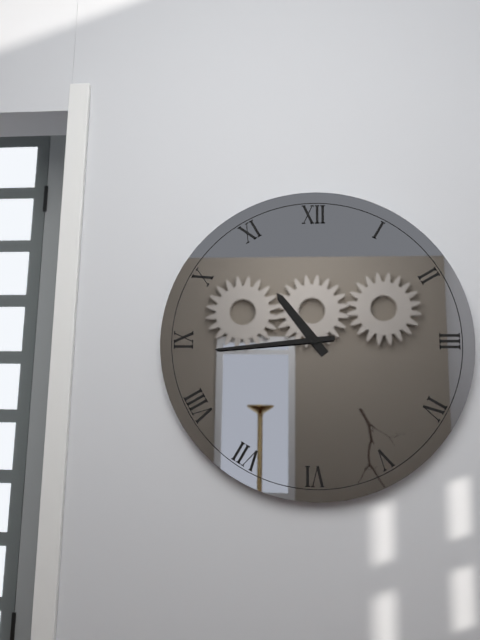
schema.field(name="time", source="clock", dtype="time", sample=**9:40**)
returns **10:44**
